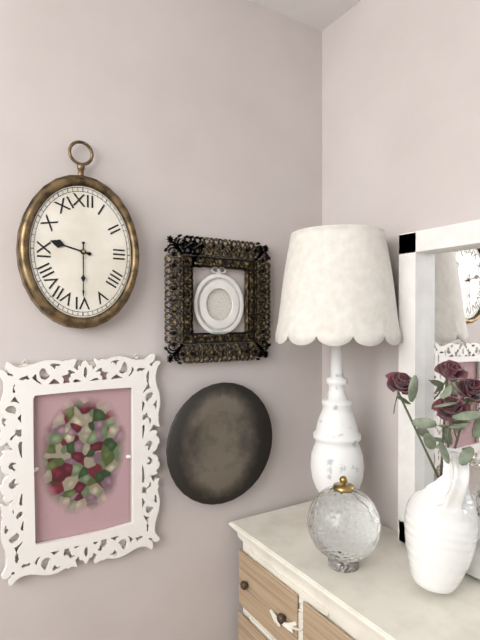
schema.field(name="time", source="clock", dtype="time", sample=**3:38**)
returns **9:30**
